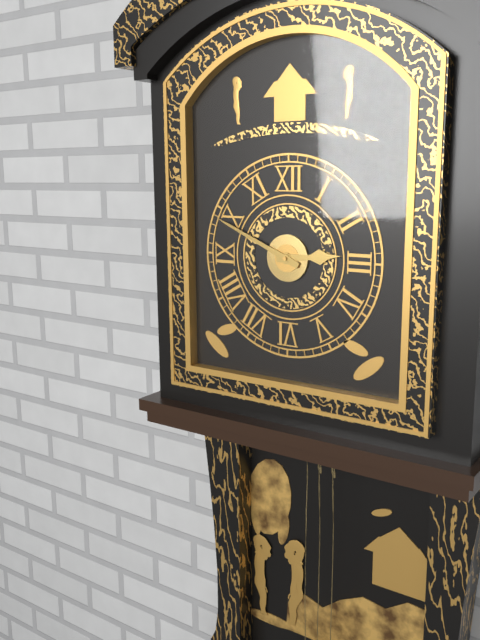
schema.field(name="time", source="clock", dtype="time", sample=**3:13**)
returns **2:49**
